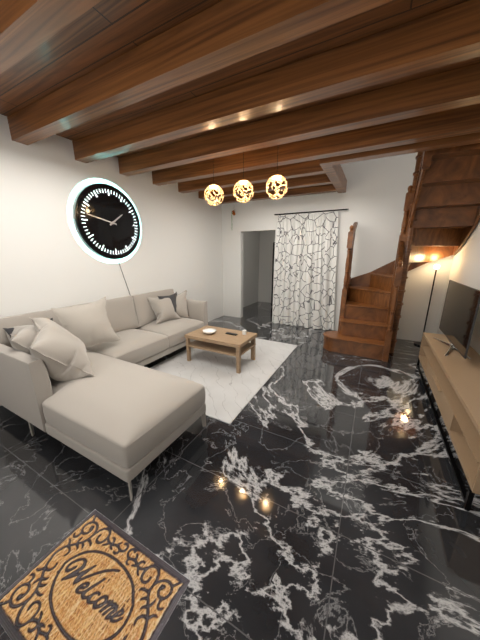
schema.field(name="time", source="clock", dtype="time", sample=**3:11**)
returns **1:47**
